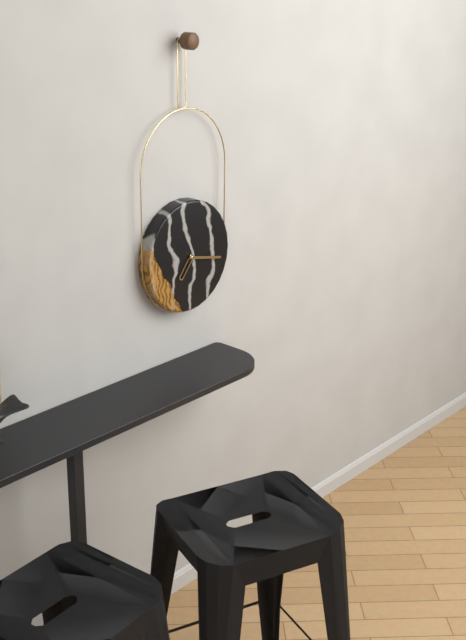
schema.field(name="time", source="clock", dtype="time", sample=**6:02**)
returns **7:17**
